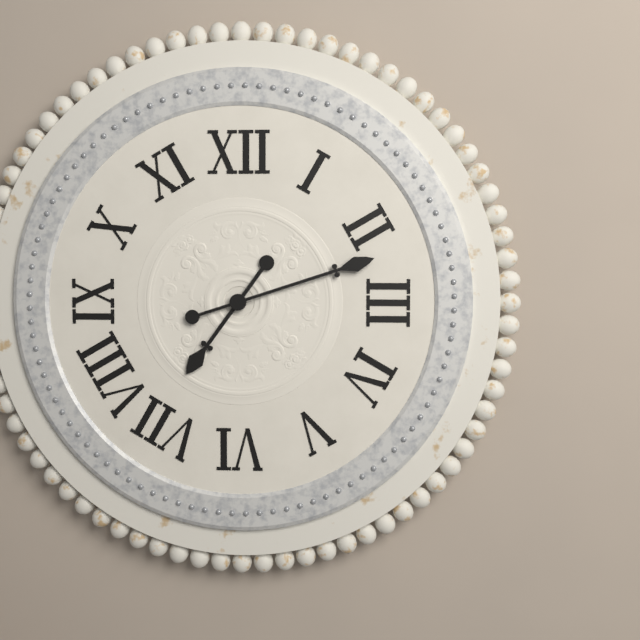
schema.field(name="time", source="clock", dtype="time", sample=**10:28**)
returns **7:12**
